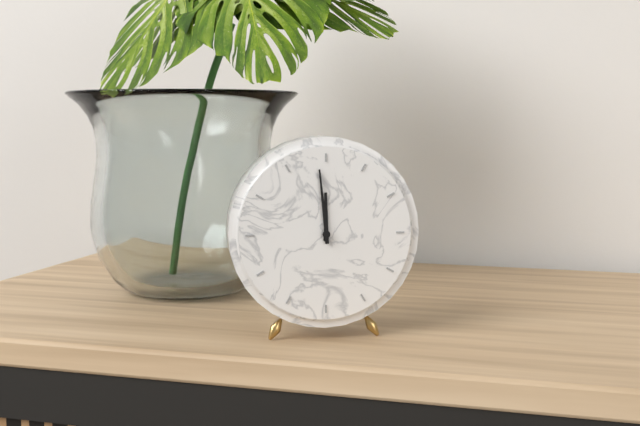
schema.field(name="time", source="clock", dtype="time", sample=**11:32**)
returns **11:59**
